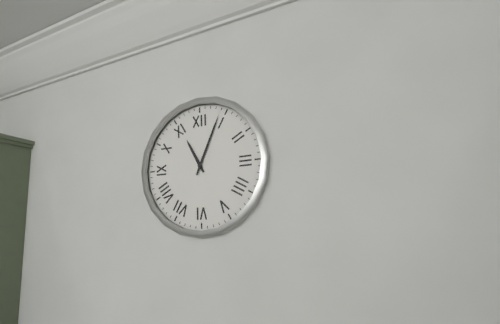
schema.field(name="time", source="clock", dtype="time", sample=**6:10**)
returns **11:04**
